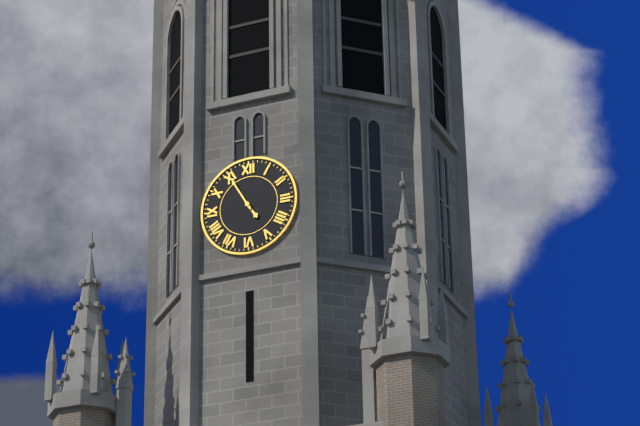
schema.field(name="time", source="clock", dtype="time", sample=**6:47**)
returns **4:55**
